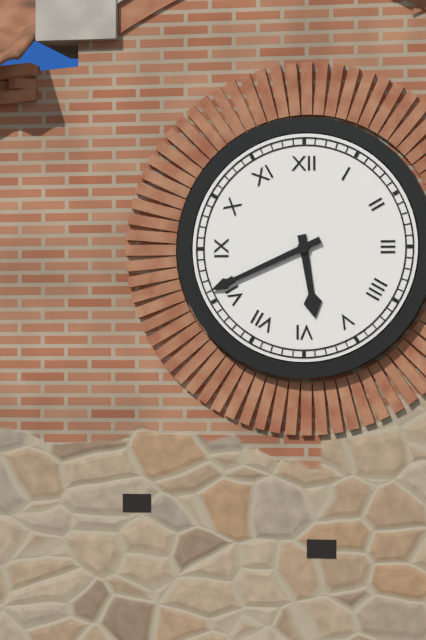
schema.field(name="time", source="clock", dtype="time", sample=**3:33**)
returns **5:41**
